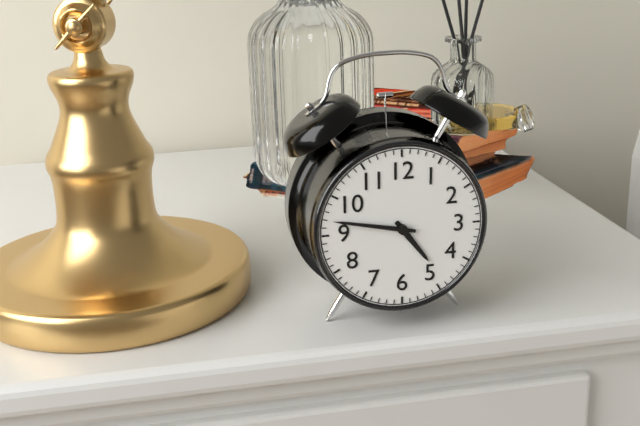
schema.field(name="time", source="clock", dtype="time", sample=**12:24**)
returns **4:47**
